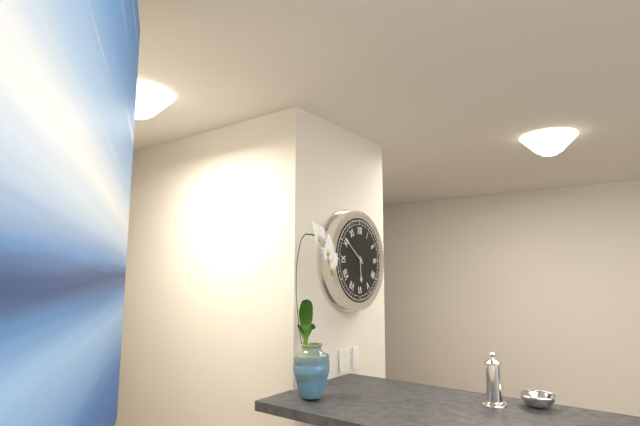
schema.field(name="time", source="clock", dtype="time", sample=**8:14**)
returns **5:51**
